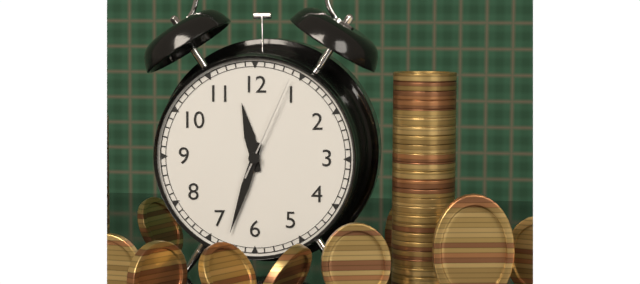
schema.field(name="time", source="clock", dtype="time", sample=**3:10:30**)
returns **11:33:04**
